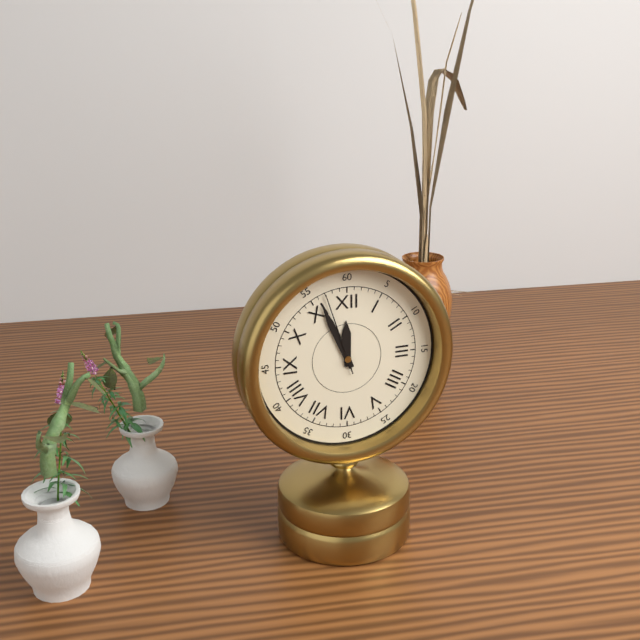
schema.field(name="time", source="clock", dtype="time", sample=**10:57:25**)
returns **11:56:57**
